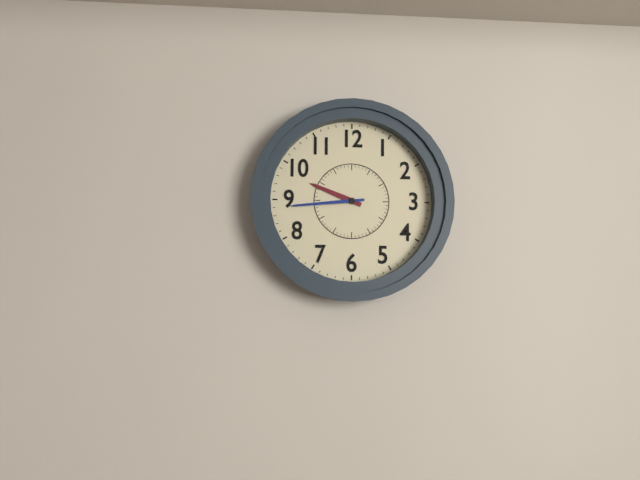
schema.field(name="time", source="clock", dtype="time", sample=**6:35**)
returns **9:44**
